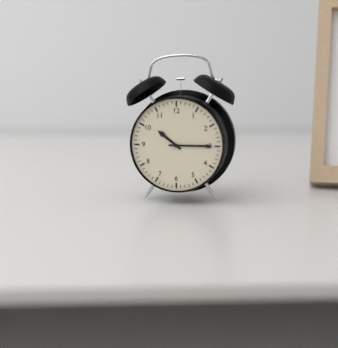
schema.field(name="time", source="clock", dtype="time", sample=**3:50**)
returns **10:15**
